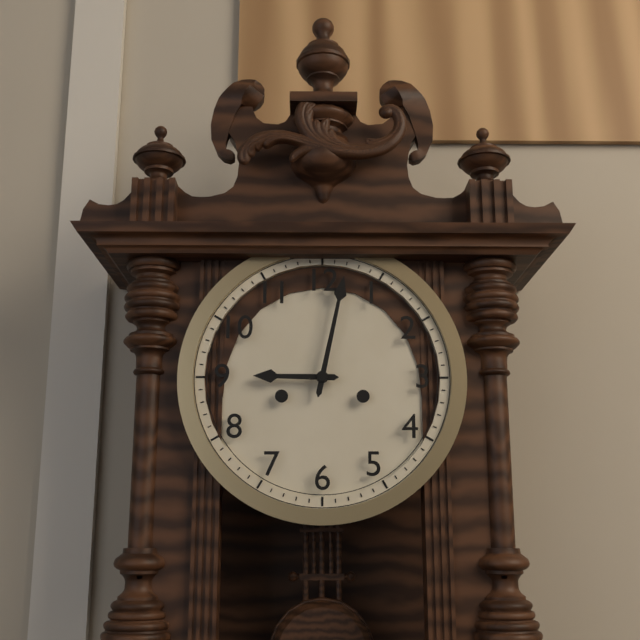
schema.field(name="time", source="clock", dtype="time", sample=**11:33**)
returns **9:02**
